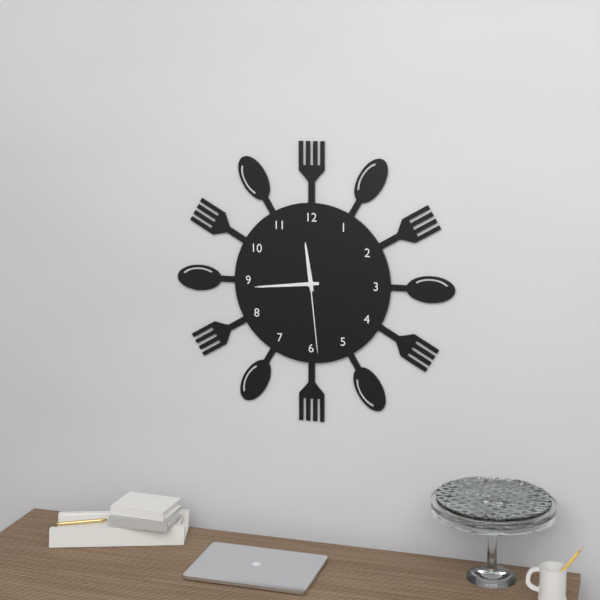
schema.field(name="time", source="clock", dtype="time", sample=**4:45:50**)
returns **11:44:29**
